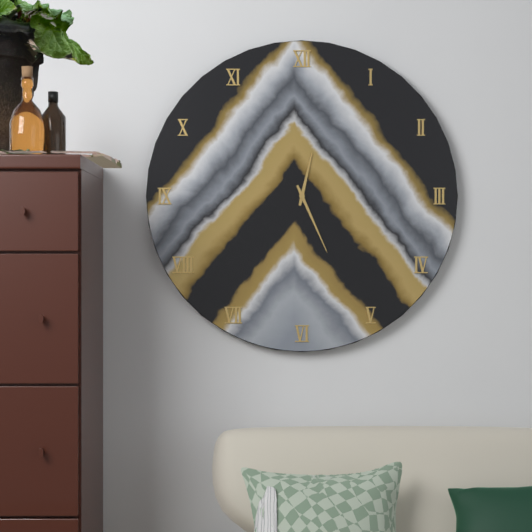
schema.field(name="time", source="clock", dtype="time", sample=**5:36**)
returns **12:26**
